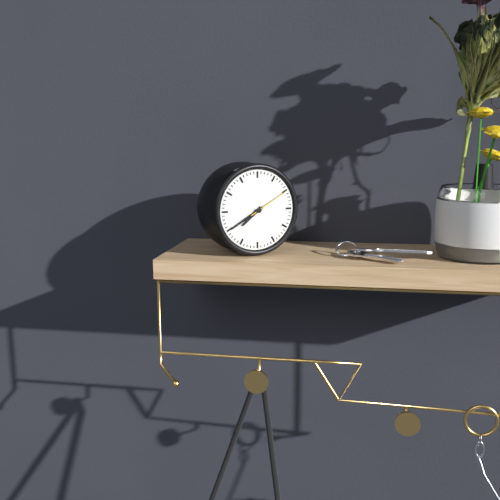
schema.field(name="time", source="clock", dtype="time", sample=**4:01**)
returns **7:40**
